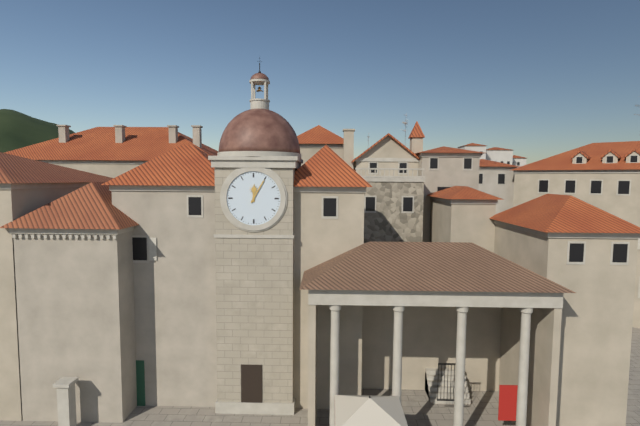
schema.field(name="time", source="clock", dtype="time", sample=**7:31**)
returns **12:05**
